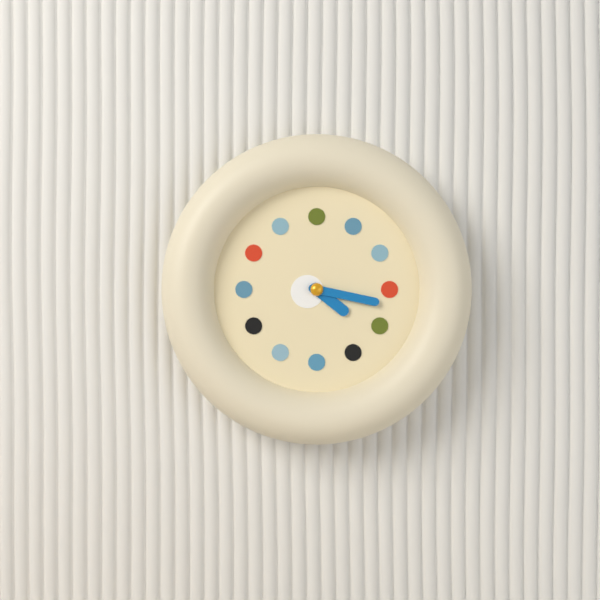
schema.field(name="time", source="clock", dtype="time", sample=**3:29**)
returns **4:17**
